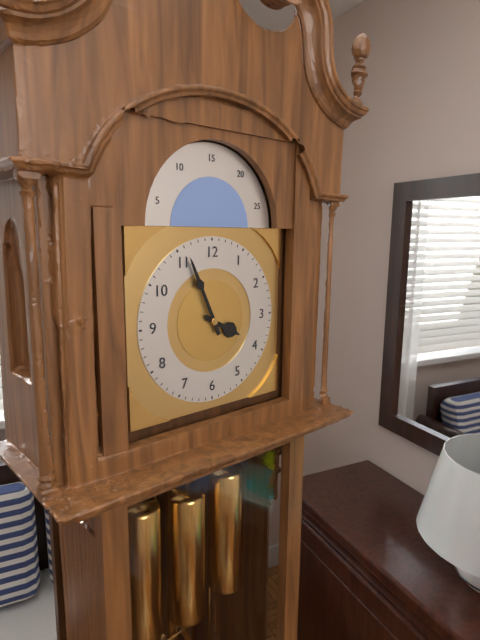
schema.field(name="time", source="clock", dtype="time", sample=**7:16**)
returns **3:56**
